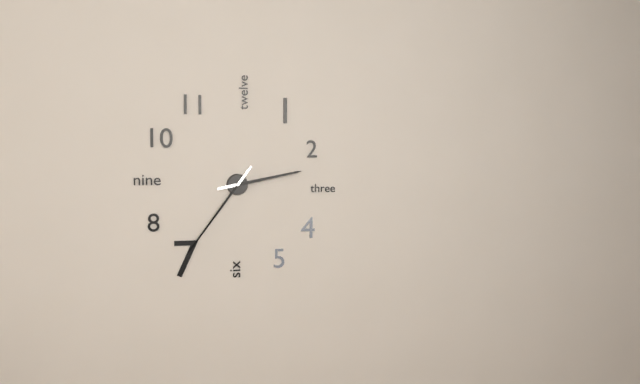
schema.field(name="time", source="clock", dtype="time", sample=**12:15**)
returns **2:36**
